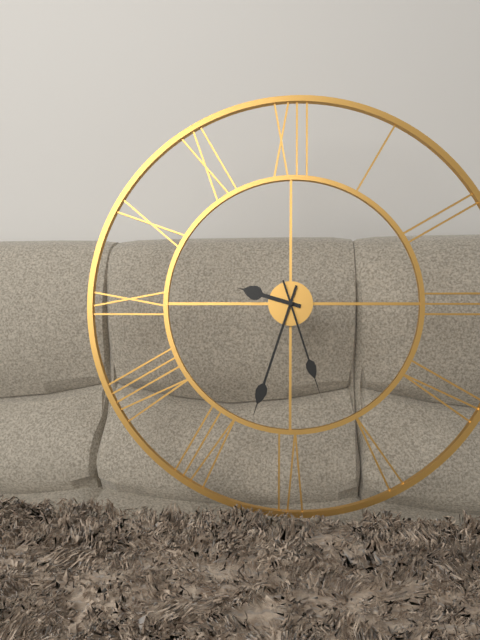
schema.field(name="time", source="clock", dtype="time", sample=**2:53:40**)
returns **9:33:27**
